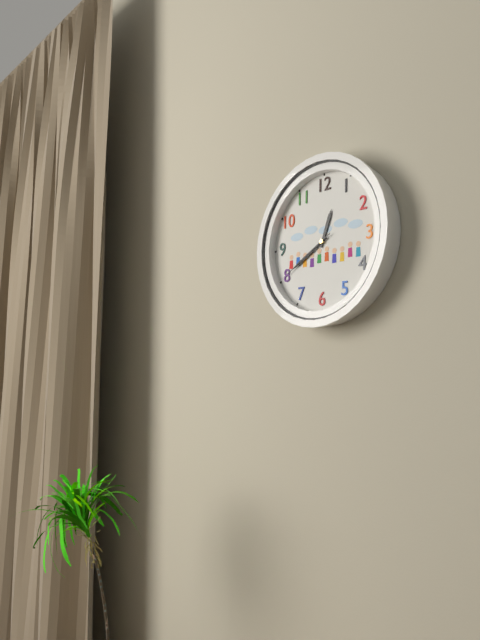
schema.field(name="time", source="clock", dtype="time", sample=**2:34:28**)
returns **12:40:40**
